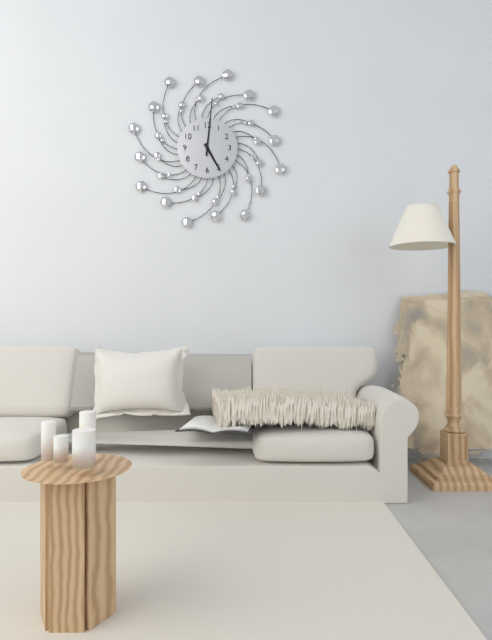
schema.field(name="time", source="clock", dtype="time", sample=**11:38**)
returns **5:01**
